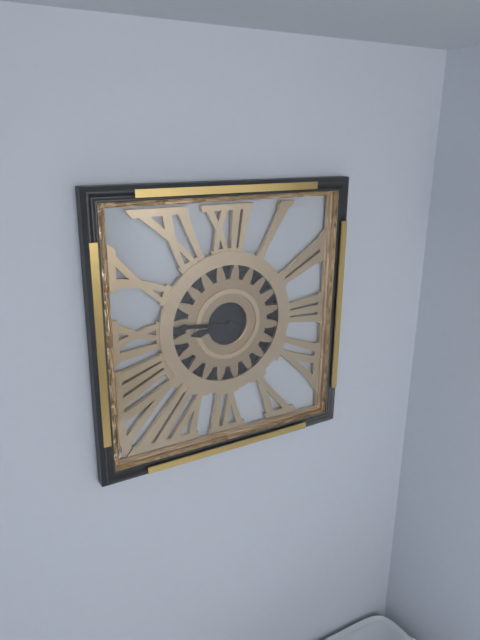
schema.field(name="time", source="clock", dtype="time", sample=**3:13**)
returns **8:46**
